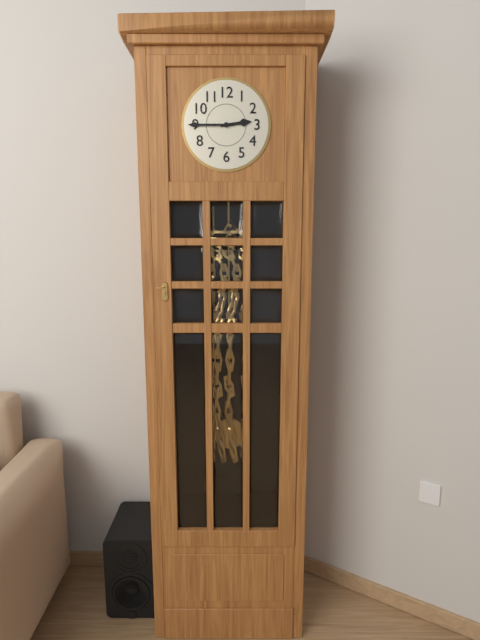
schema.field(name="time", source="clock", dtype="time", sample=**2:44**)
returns **2:45**
